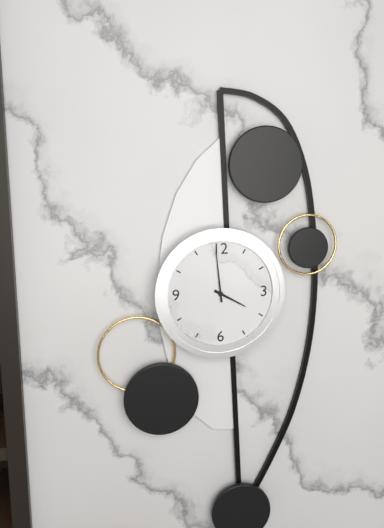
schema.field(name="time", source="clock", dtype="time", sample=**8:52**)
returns **3:59**
